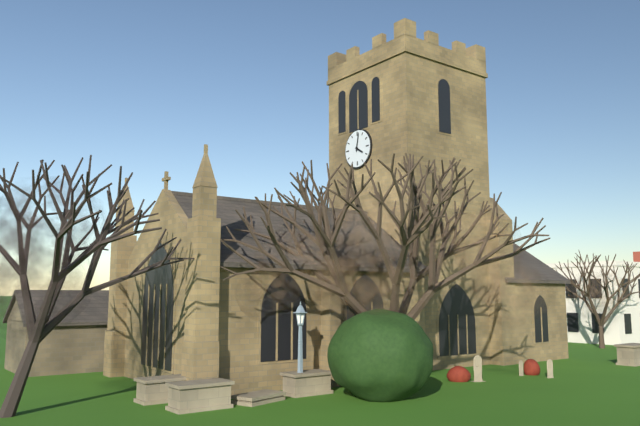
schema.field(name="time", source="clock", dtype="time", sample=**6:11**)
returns **4:02**
